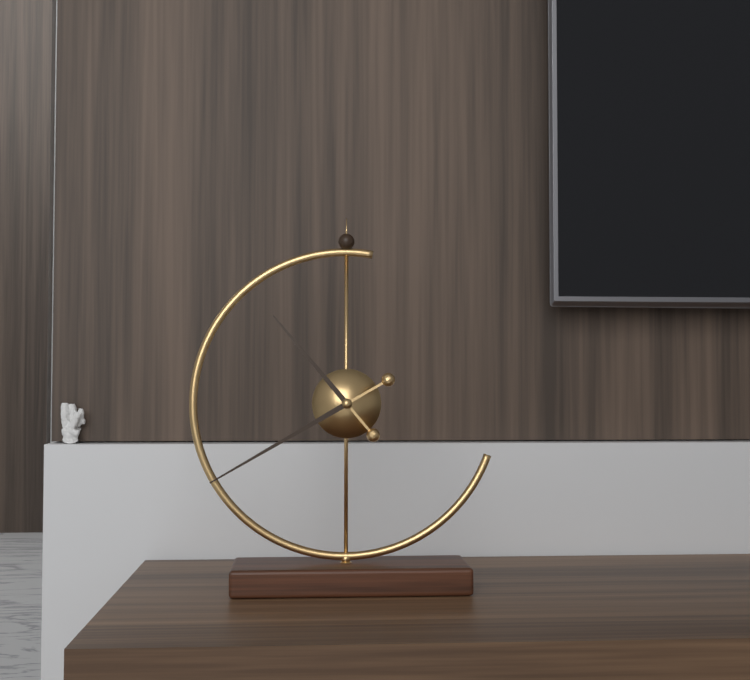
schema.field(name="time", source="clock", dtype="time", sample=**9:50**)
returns **10:40**
